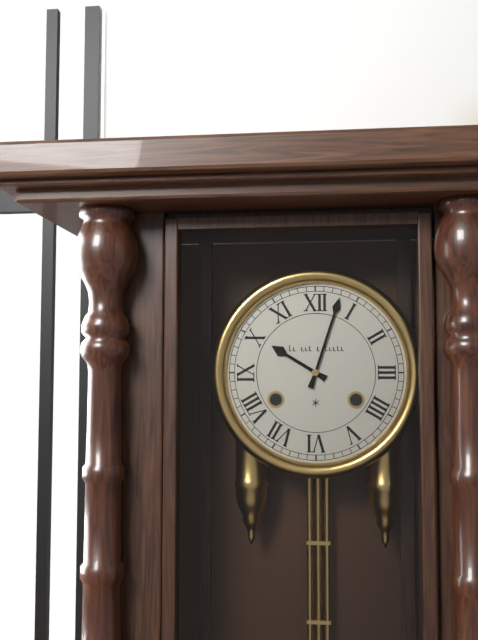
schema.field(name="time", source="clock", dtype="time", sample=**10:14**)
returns **10:03**
